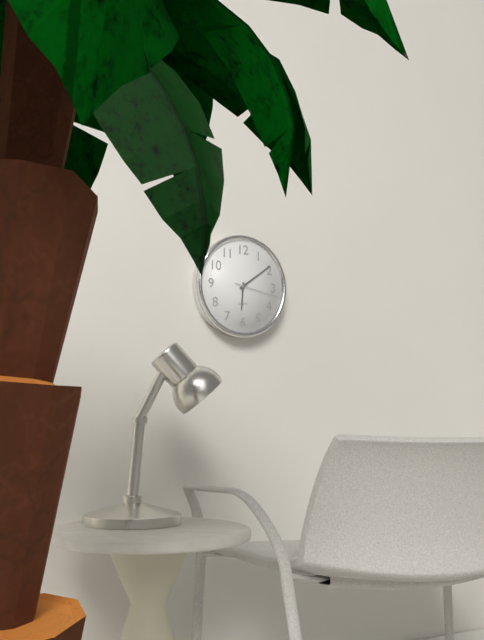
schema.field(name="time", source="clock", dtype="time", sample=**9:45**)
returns **6:09**
